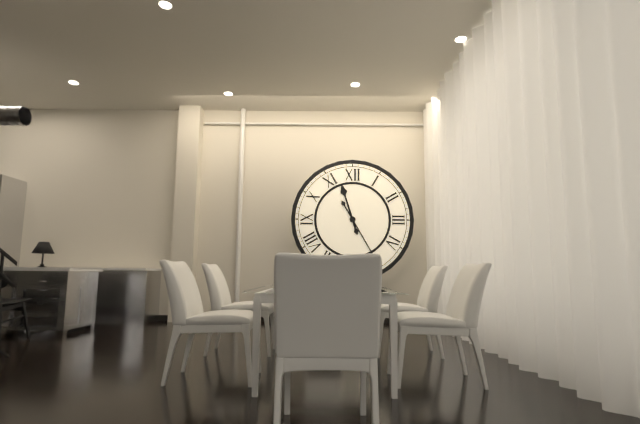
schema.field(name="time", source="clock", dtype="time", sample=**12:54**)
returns **11:25**
